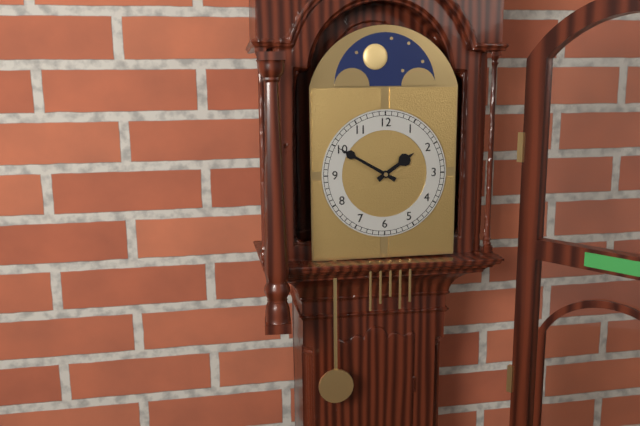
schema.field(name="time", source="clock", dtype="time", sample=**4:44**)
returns **1:50**
